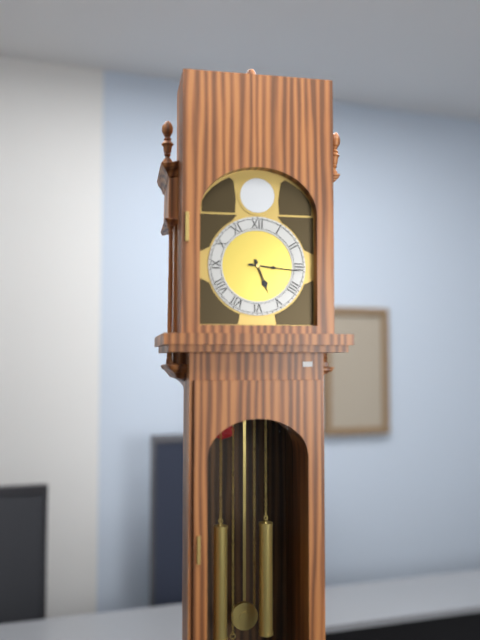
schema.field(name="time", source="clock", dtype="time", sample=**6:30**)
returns **5:16**
